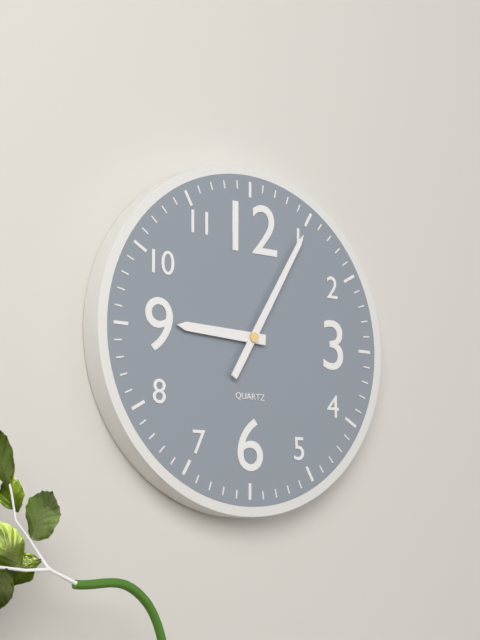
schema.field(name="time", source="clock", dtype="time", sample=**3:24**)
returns **9:05**
